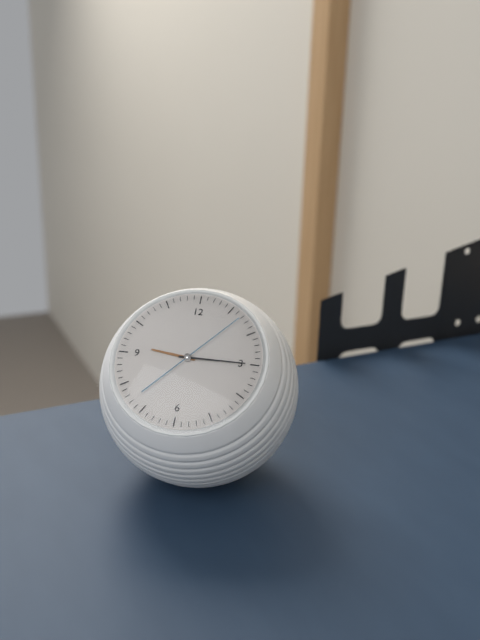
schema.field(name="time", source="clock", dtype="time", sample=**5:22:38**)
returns **9:15:07**
